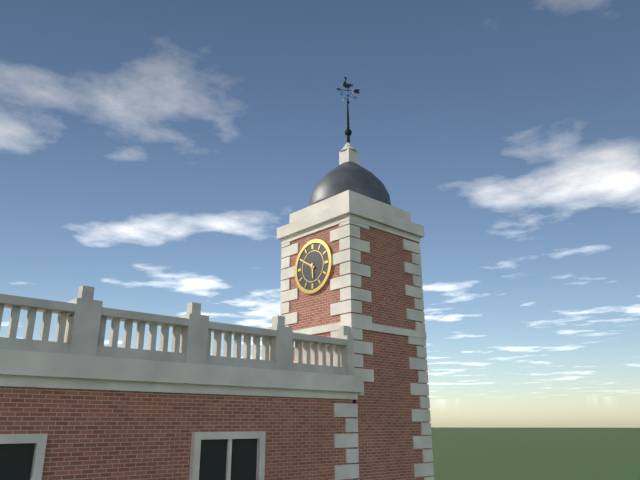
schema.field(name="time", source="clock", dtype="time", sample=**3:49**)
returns **5:50**
